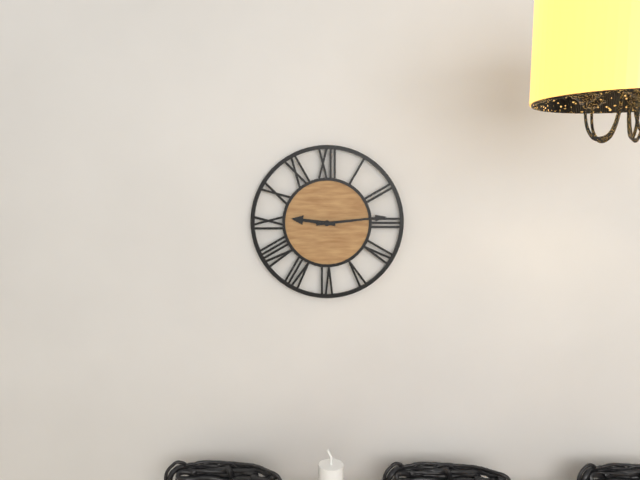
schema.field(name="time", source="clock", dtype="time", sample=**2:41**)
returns **9:14**
